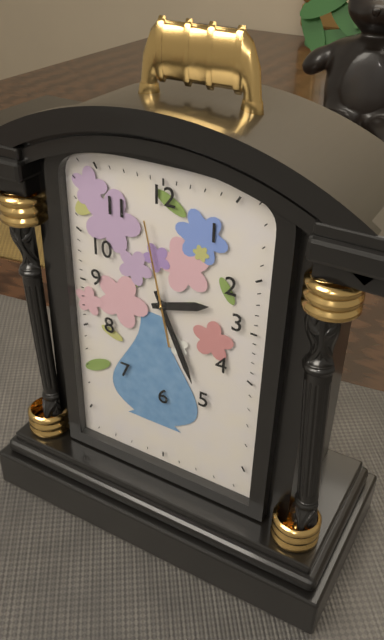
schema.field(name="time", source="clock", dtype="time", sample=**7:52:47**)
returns **2:26:58**
